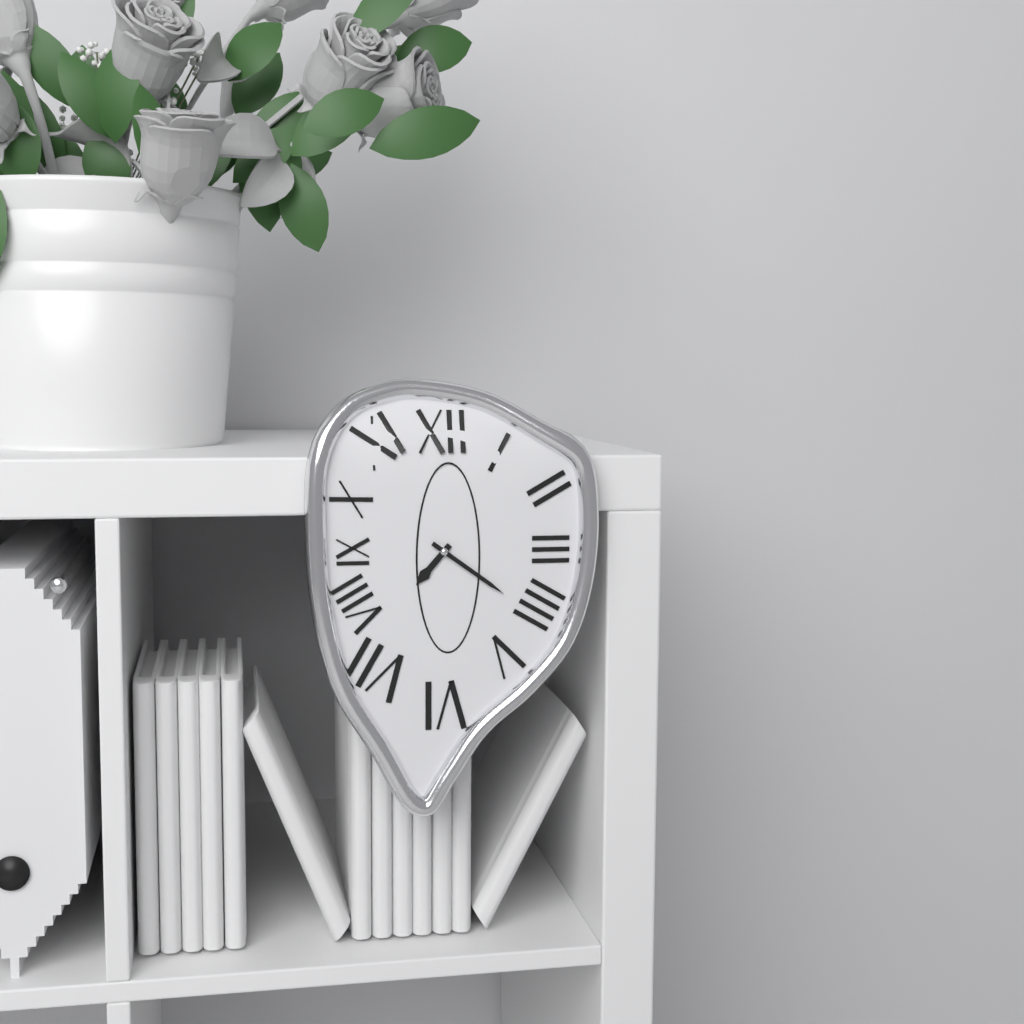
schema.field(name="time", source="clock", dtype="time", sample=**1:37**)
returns **7:21**
